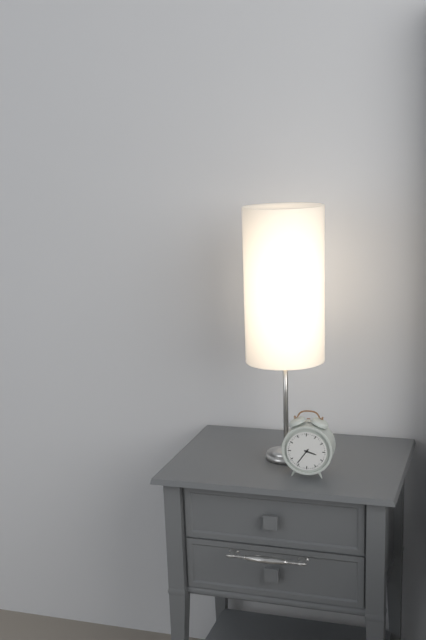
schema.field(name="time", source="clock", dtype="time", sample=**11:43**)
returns **3:36**
